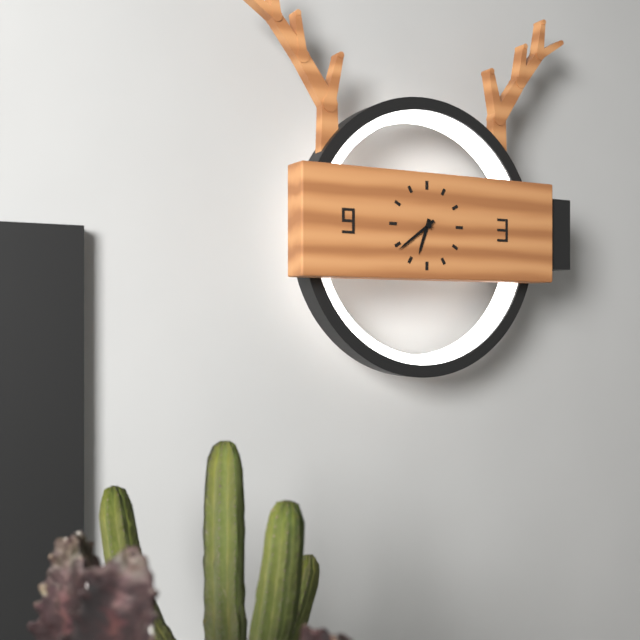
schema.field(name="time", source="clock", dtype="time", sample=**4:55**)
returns **6:39**
